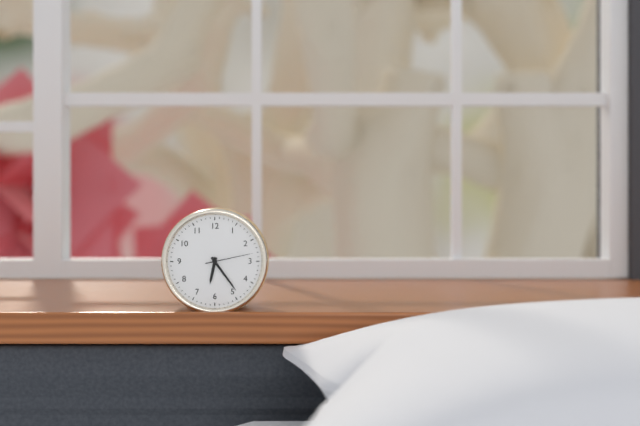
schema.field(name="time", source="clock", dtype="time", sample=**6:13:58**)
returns **6:24:13**
